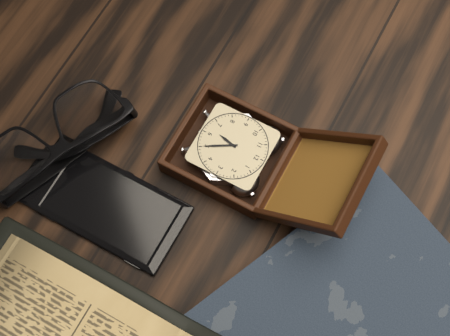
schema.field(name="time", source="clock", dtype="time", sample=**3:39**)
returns **6:25**
